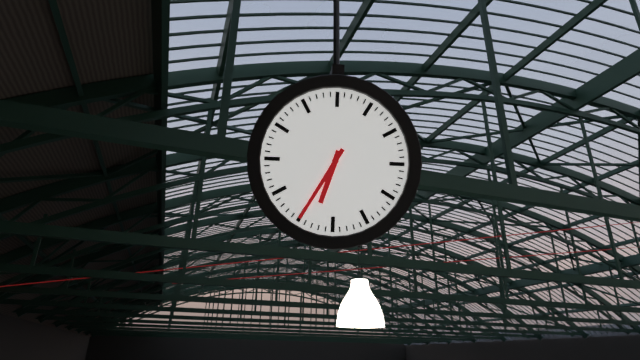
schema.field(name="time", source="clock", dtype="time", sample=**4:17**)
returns **6:35**
